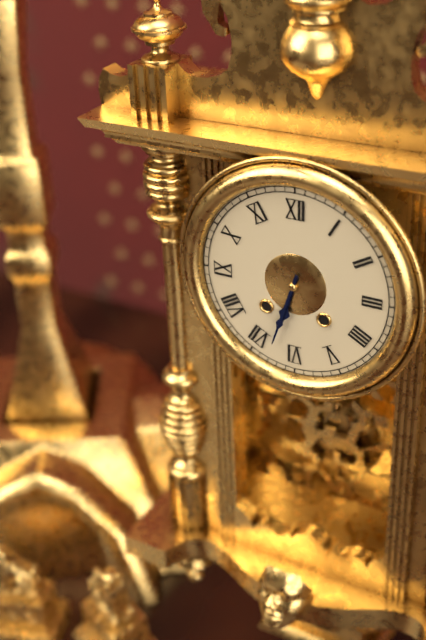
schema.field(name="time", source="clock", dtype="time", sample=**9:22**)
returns **6:33**
